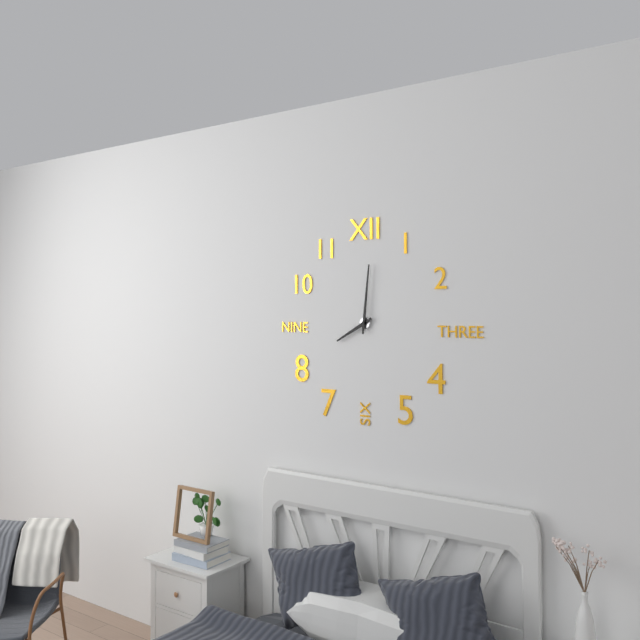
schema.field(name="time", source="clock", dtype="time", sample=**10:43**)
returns **8:01**
